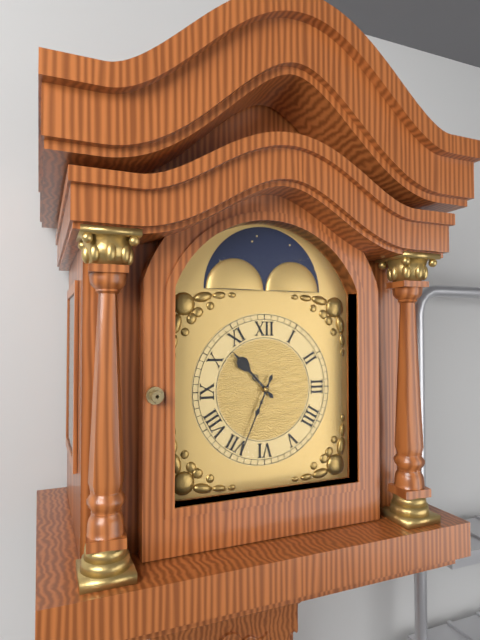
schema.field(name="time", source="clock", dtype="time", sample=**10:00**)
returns **10:34**
